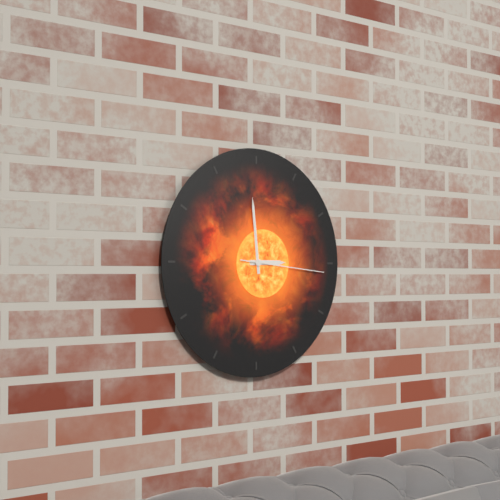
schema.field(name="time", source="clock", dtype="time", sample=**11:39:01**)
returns **2:59:16**
